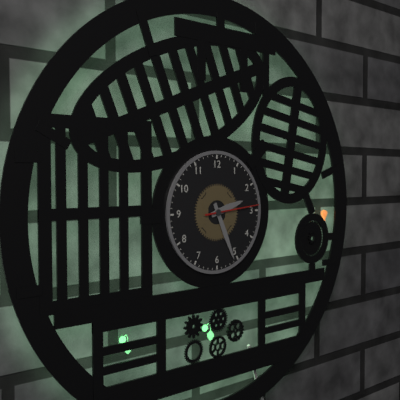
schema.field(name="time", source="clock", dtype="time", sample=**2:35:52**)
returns **2:26:14**
